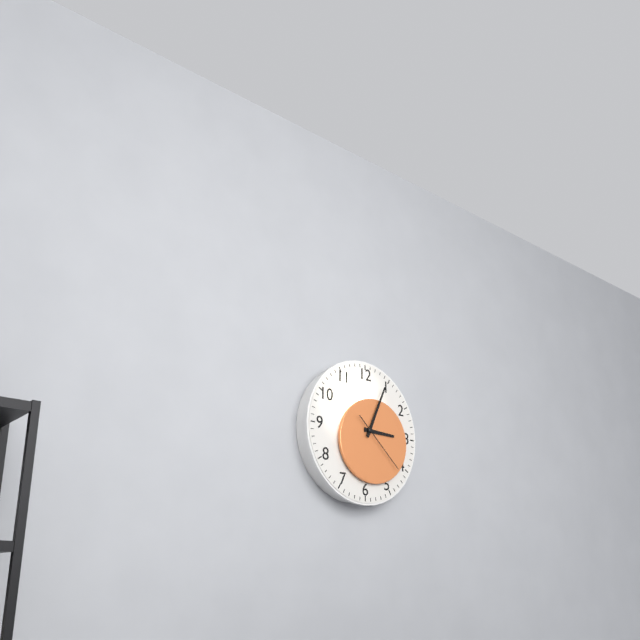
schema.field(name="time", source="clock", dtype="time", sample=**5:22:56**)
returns **3:04:22**
